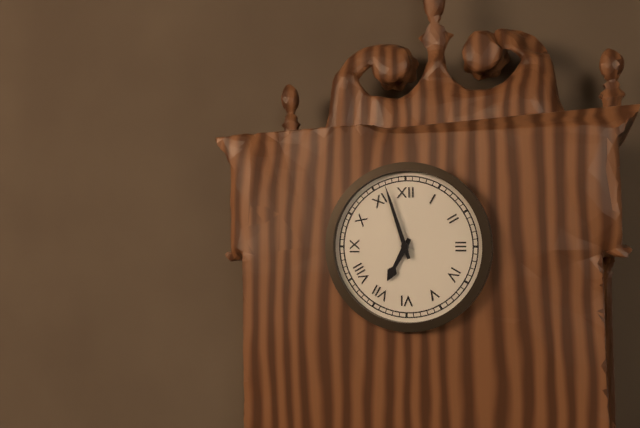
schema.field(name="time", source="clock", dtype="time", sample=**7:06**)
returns **6:57**
